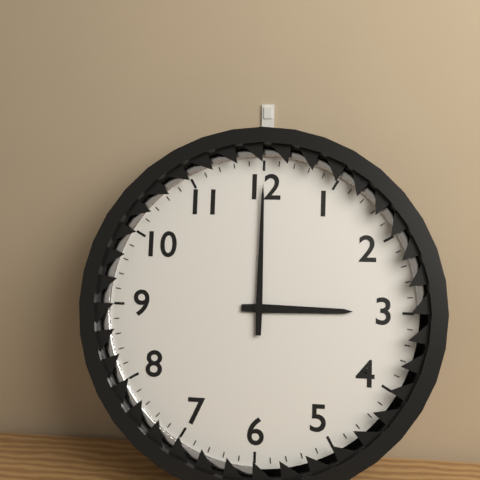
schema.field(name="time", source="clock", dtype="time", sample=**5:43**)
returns **3:00**
